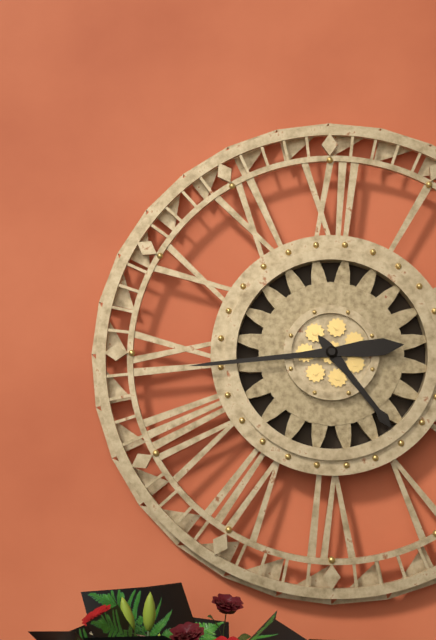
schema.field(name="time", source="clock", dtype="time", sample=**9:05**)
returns **4:44**
